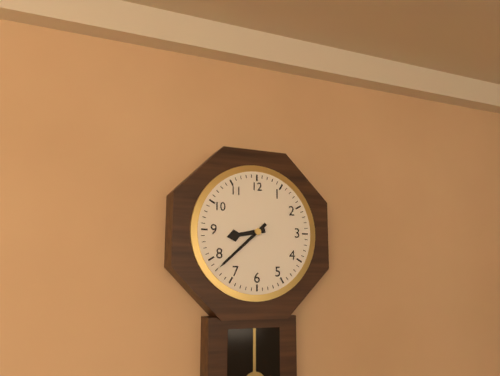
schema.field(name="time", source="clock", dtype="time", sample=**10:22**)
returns **8:38**
